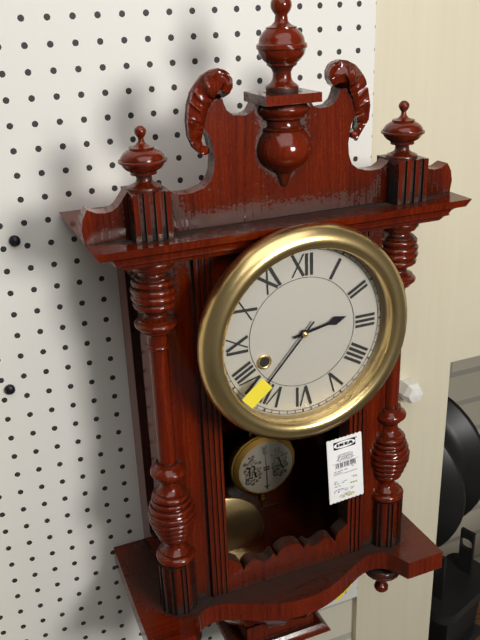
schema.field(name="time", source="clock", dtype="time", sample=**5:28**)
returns **2:37**
